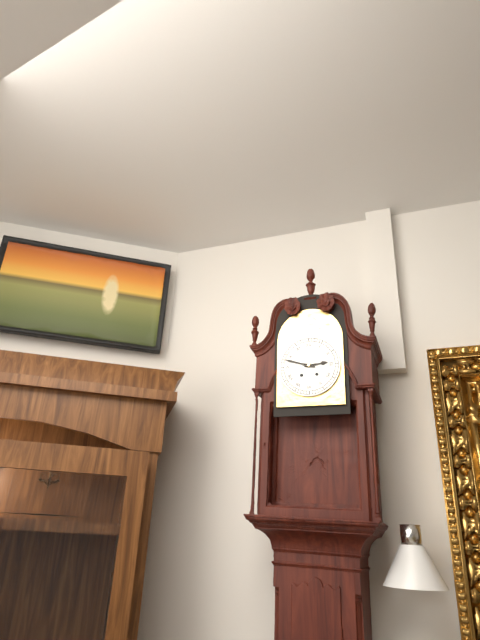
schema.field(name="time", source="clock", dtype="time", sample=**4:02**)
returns **2:48**
